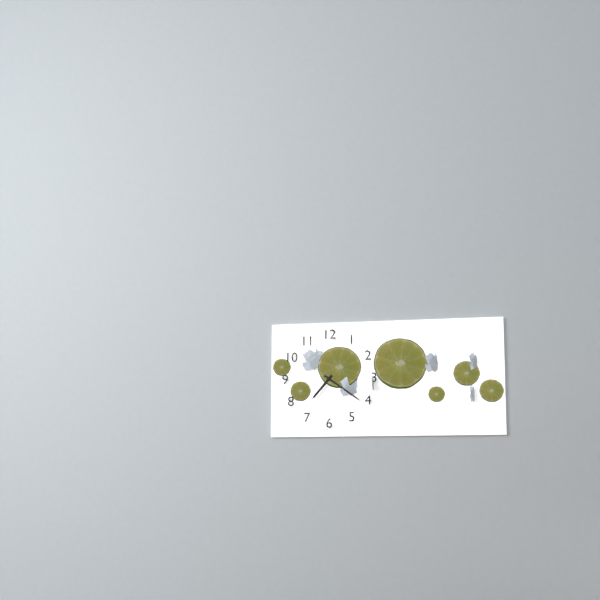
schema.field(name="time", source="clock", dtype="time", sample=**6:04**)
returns **7:21**
